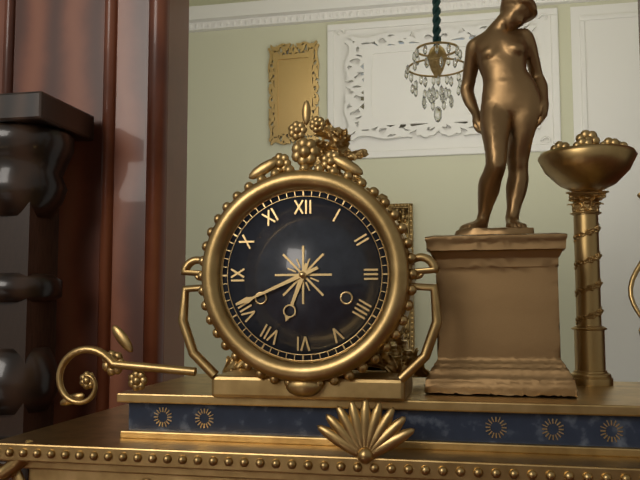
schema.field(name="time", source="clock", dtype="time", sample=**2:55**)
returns **6:41**
